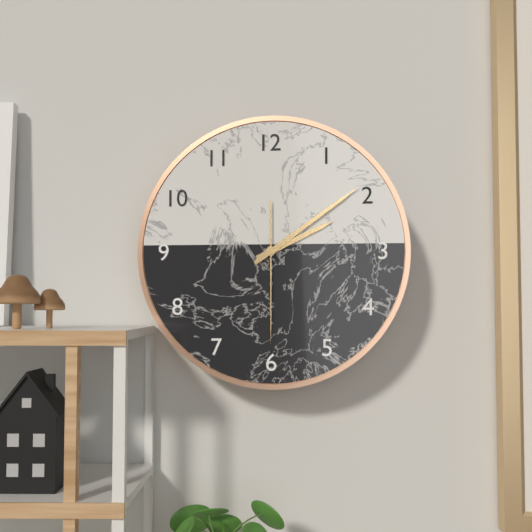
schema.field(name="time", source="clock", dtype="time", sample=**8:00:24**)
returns **2:09:30**
